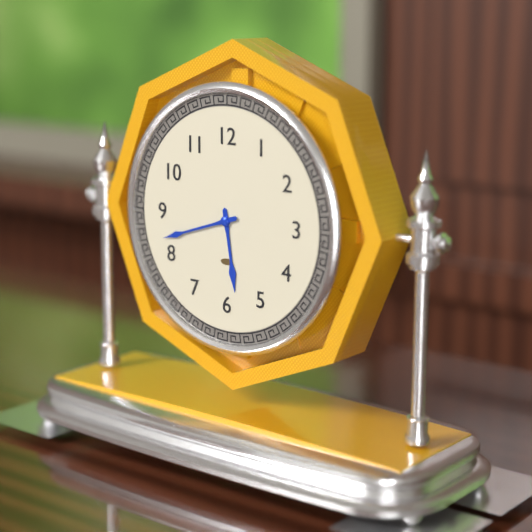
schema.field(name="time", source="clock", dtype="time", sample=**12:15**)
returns **5:42**
